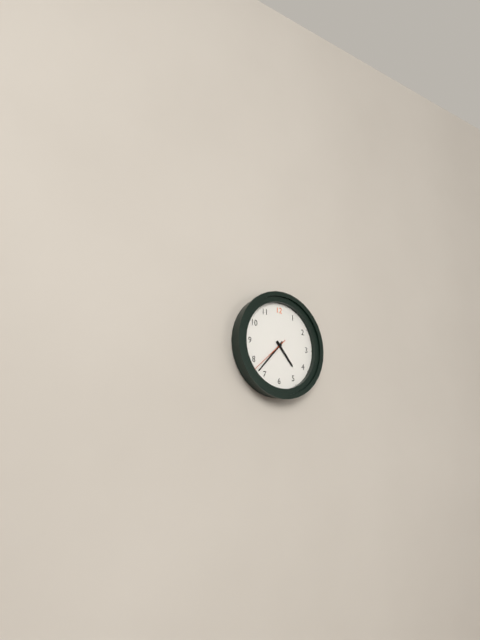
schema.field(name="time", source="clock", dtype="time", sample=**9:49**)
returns **4:37**
